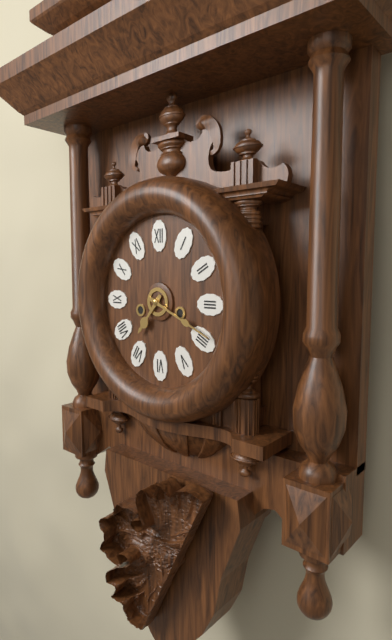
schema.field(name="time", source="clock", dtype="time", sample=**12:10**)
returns **7:19**
